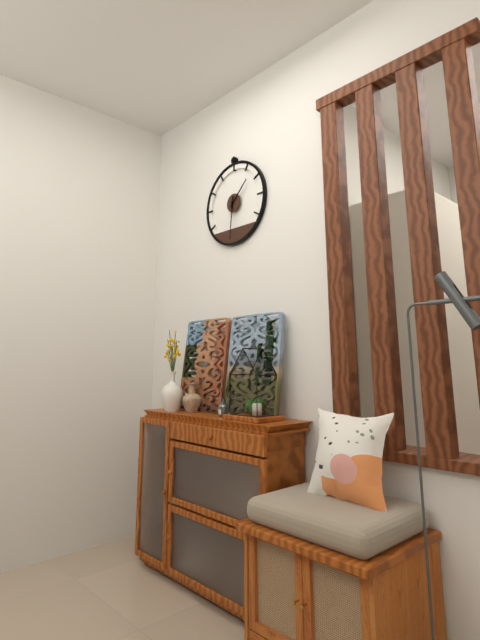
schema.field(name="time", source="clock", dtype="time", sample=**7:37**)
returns **1:31**
